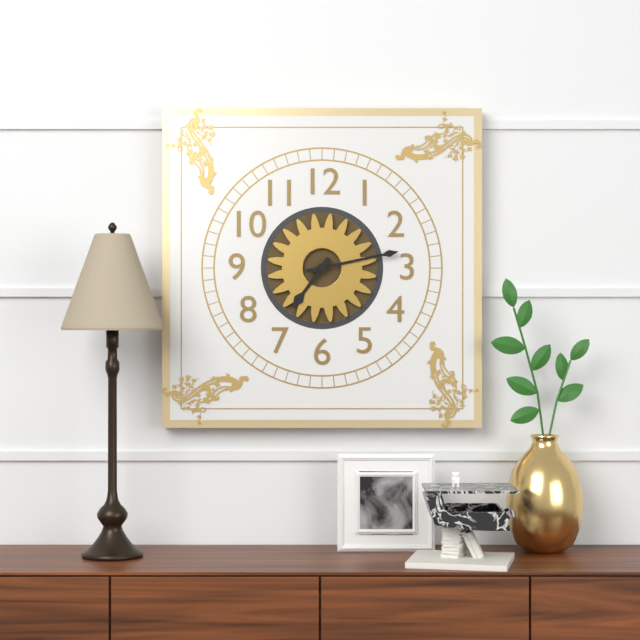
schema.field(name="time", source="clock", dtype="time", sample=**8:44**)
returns **7:13**
